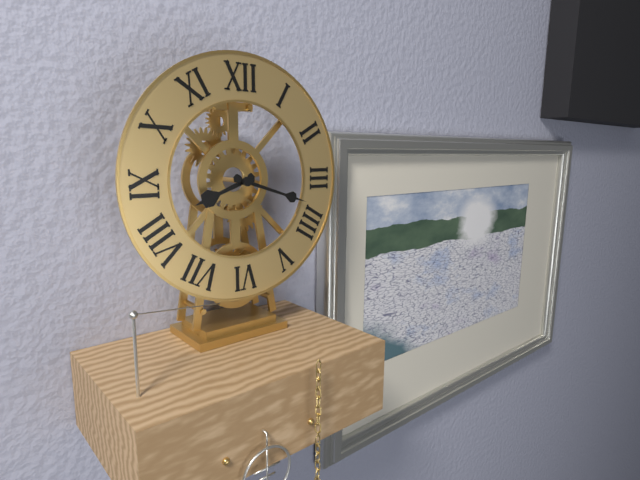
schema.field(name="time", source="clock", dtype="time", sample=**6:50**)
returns **8:18**
